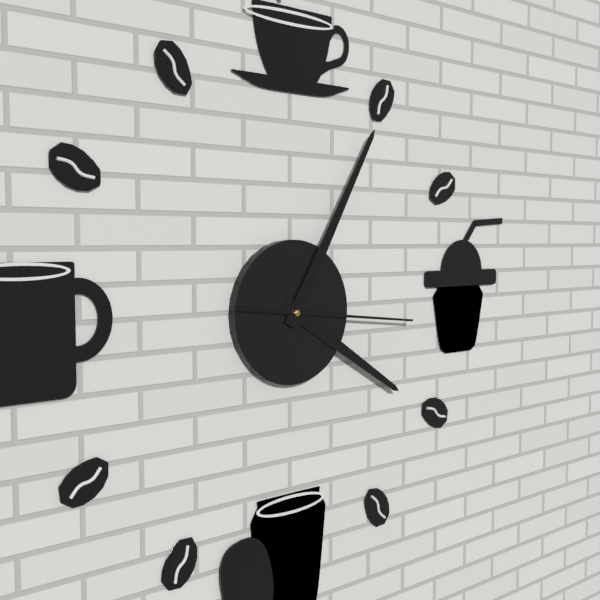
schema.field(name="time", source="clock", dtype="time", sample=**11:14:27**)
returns **4:05:16**
